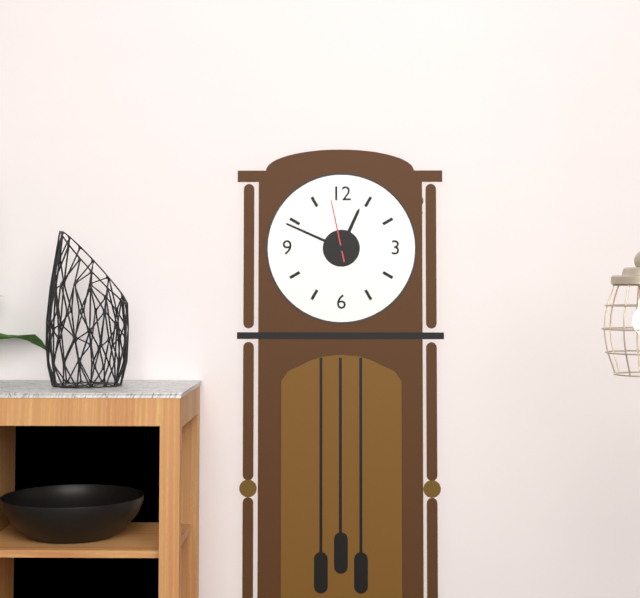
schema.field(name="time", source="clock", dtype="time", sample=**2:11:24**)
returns **12:49:58**
